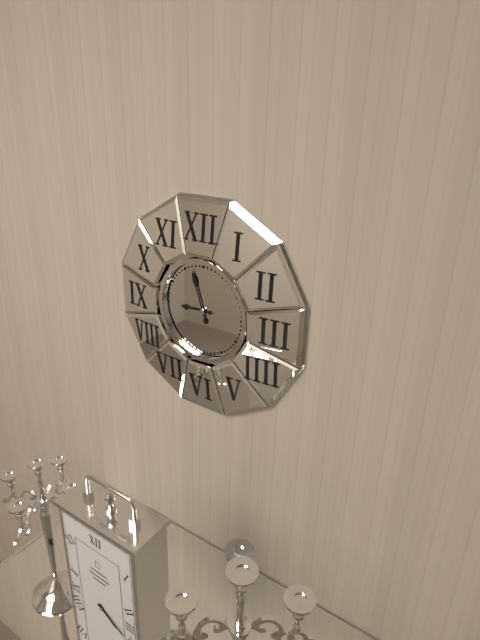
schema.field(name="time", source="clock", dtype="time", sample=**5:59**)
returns **8:57**
